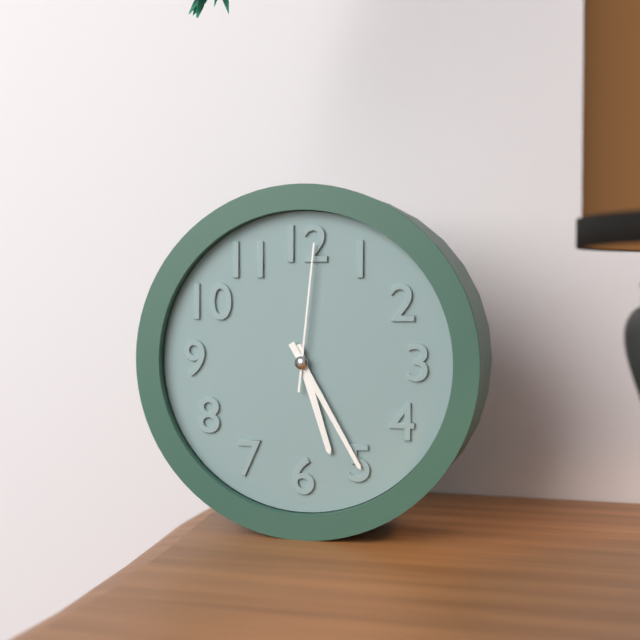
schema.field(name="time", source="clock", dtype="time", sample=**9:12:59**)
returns **5:25:01**
